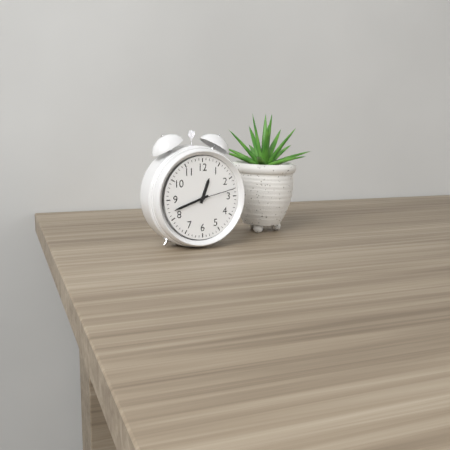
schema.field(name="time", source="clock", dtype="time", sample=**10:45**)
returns **12:42**
